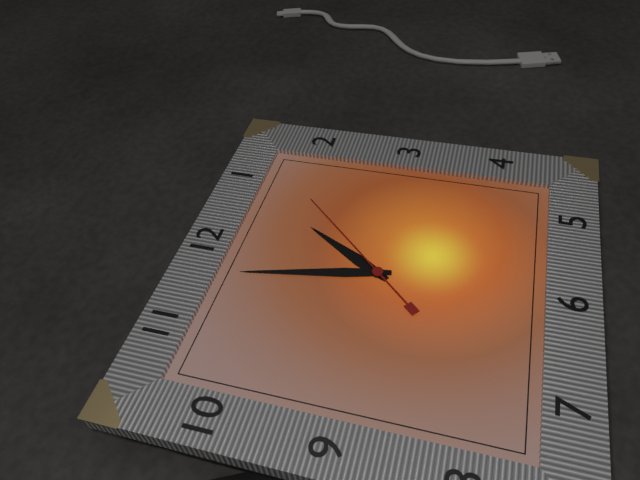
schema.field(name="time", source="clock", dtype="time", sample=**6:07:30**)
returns **12:58:07**
